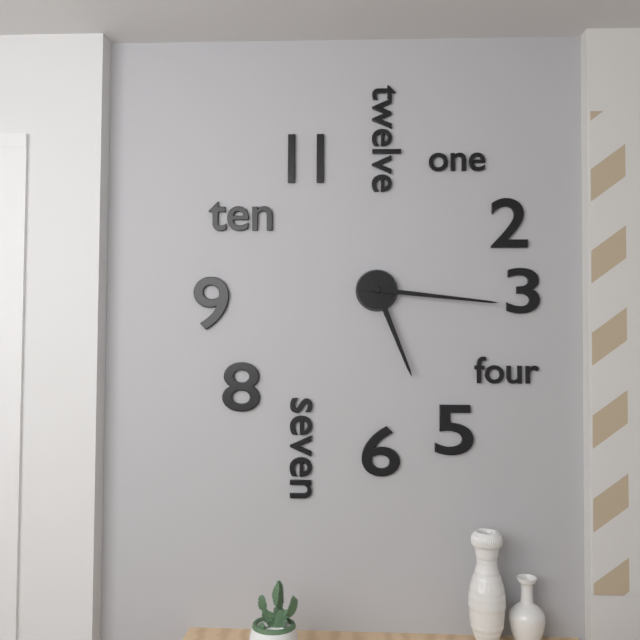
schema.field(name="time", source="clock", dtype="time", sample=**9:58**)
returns **5:16**
